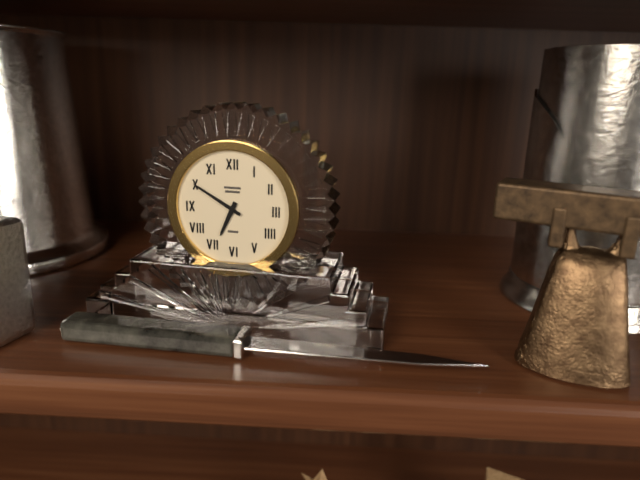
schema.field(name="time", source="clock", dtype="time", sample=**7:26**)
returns **6:50**
